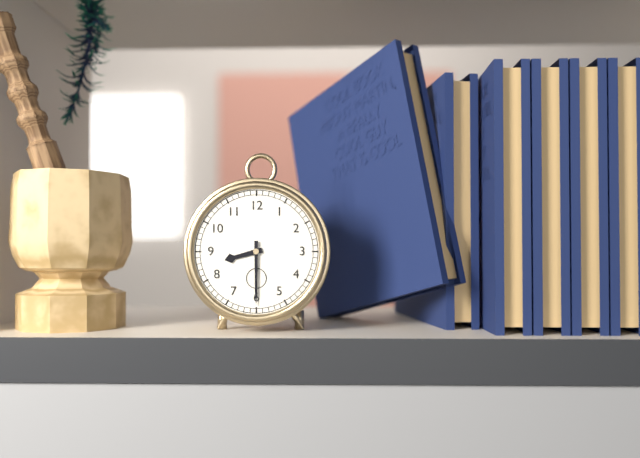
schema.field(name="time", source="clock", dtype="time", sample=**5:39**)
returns **8:30**
